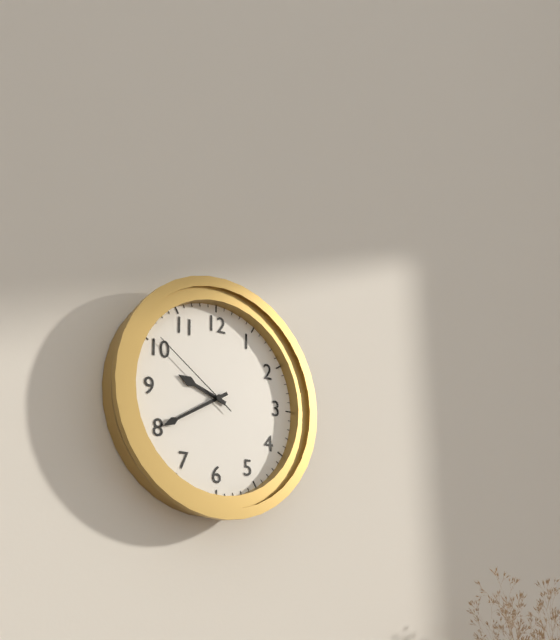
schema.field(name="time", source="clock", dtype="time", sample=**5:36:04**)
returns **9:40:51**
